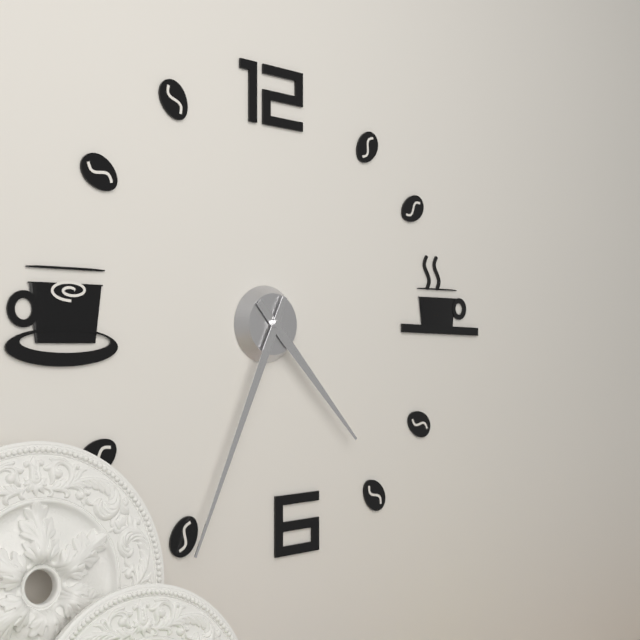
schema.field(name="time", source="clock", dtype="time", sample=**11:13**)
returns **4:34**
